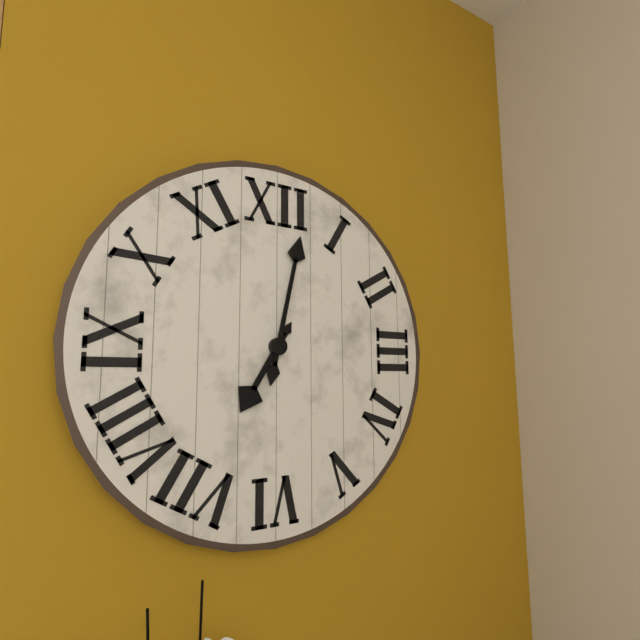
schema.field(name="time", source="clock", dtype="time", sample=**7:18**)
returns **7:02**
